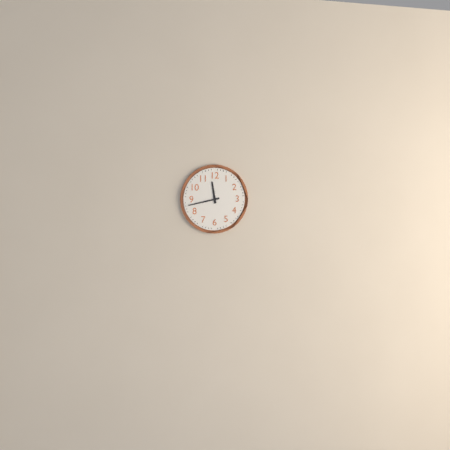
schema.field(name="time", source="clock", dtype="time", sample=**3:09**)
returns **11:43**
